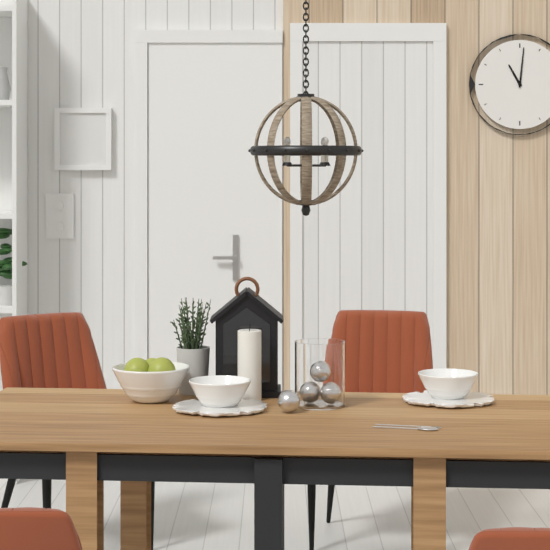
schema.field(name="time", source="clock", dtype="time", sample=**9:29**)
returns **11:01**
